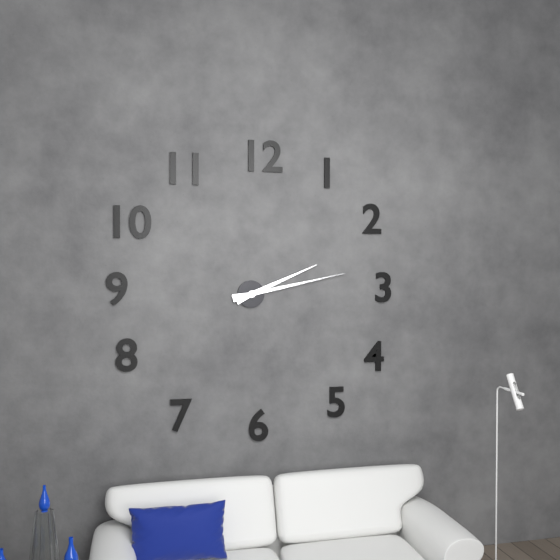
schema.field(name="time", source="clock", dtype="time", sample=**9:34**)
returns **2:13**
